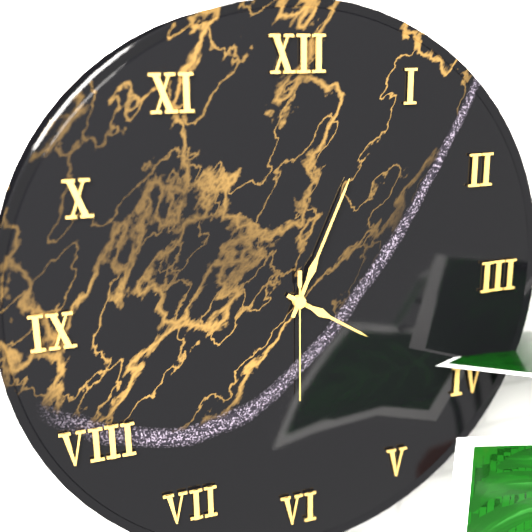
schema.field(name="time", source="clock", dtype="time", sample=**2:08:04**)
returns **4:04:30**
